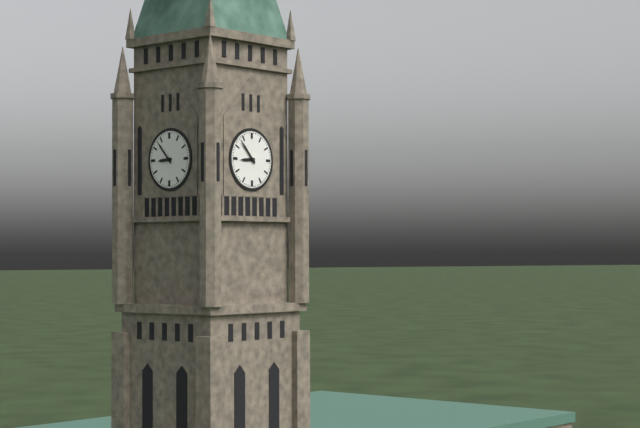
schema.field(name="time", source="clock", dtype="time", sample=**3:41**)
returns **8:53**
